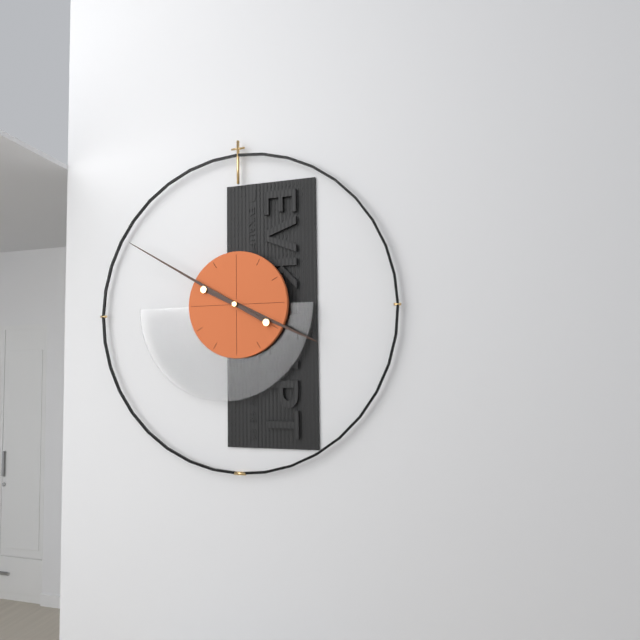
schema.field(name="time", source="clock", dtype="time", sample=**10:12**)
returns **3:50**
